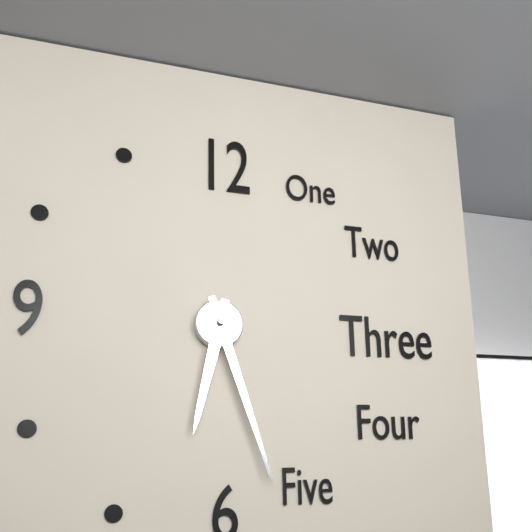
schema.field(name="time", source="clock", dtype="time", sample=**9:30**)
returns **6:27**
